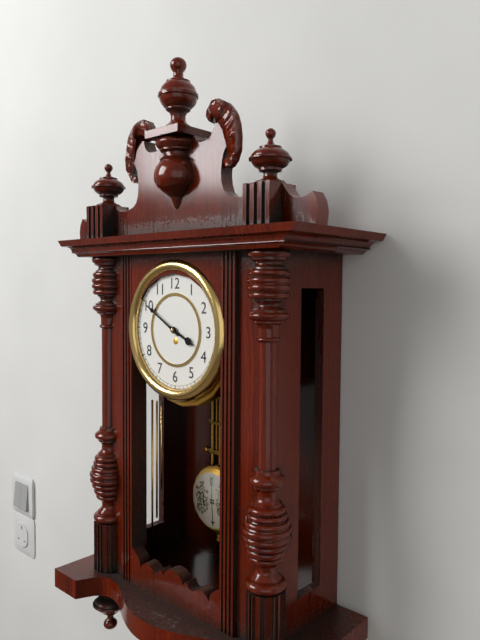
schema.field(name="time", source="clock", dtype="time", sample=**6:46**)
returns **3:50**
